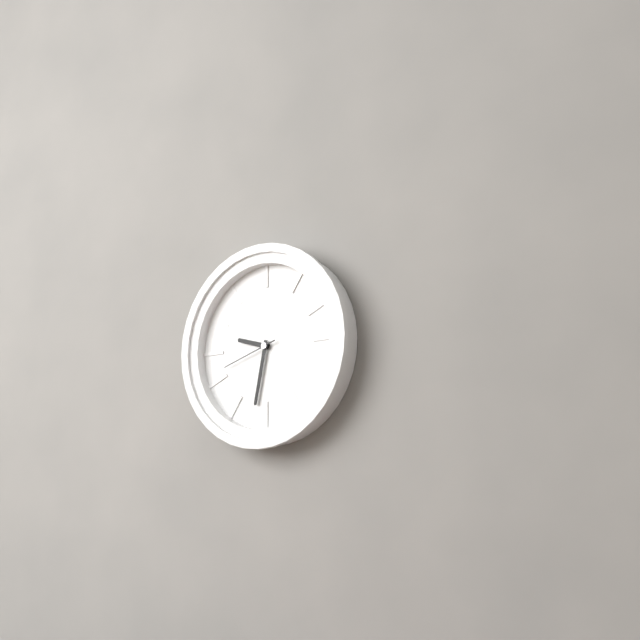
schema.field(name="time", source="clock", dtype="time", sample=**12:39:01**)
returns **9:32:42**
